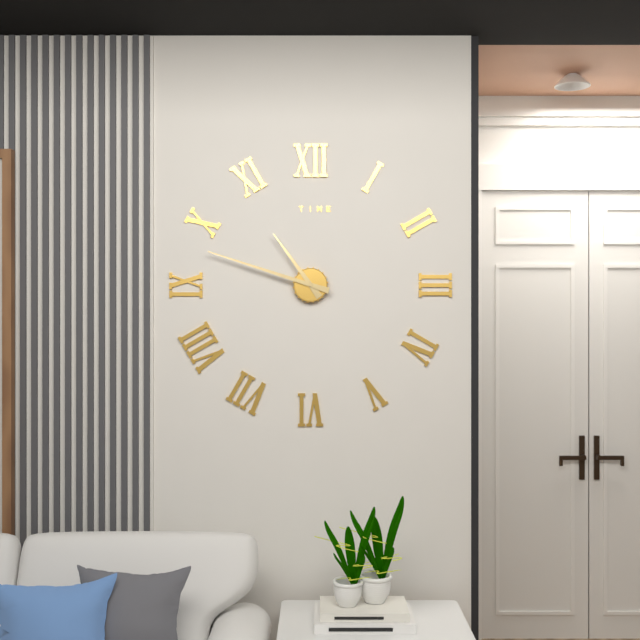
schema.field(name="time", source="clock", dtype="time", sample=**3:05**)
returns **10:48**
